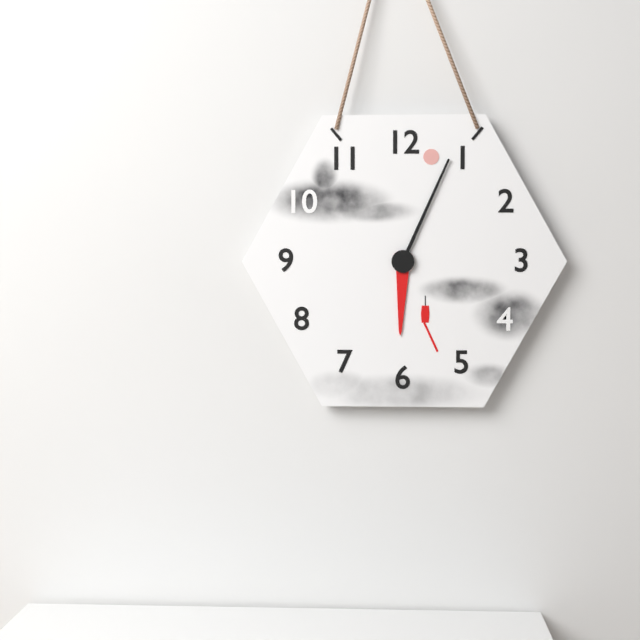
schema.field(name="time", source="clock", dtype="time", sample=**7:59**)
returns **6:04**
